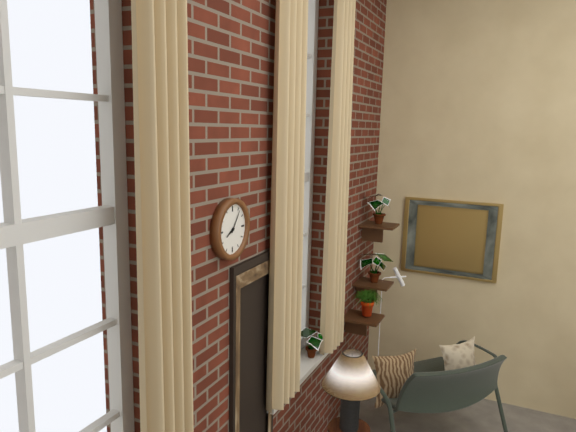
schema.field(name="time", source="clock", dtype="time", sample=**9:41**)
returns **8:06**
